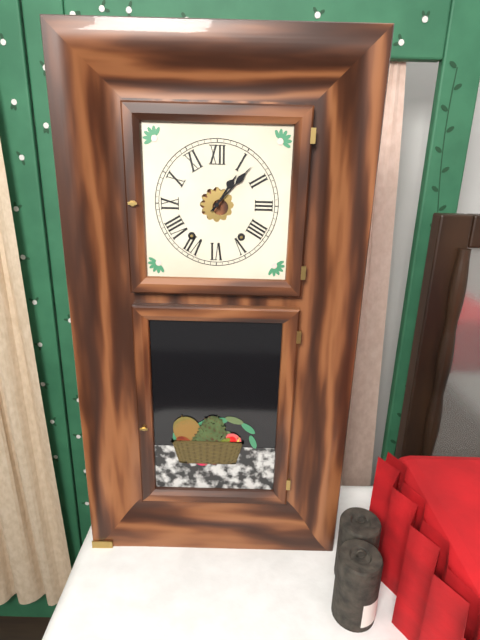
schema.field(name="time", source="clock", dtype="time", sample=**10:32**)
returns **1:07**
